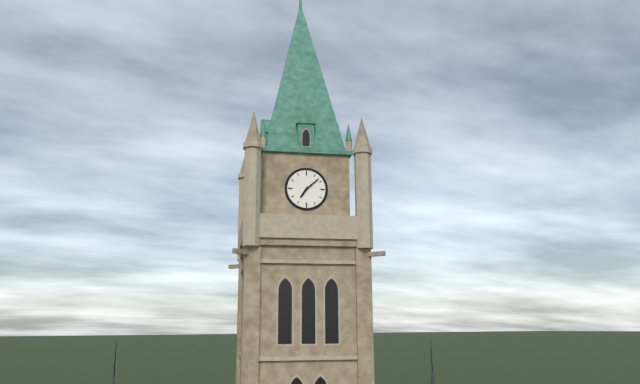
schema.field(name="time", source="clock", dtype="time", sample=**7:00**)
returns **7:08**
